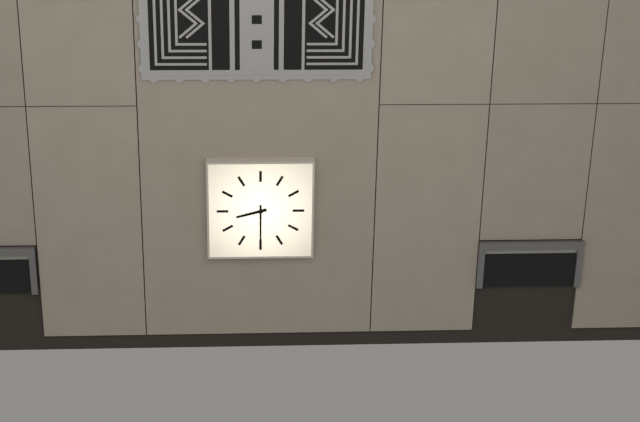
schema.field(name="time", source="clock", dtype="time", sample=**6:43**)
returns **8:30**
